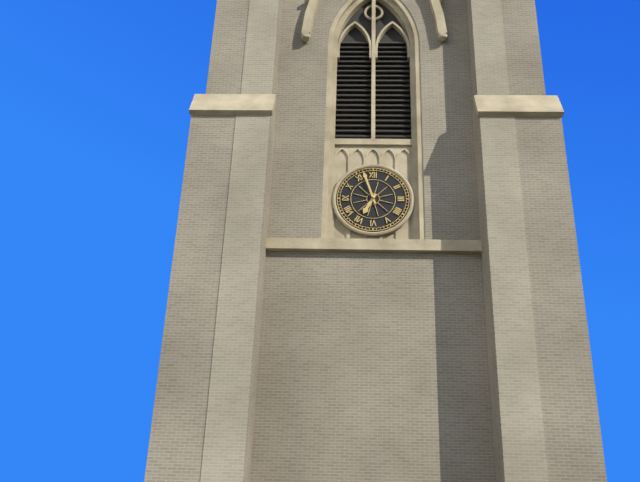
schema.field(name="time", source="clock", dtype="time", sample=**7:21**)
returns **6:57**
